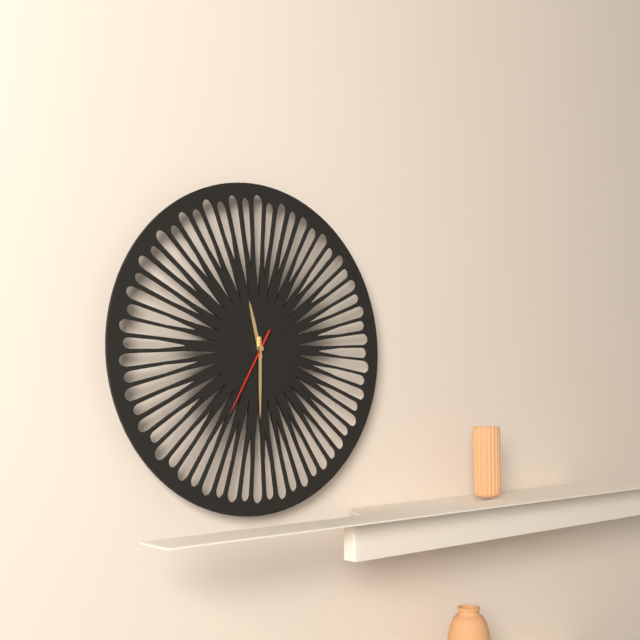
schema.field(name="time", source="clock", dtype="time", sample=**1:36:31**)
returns **11:30:35**
